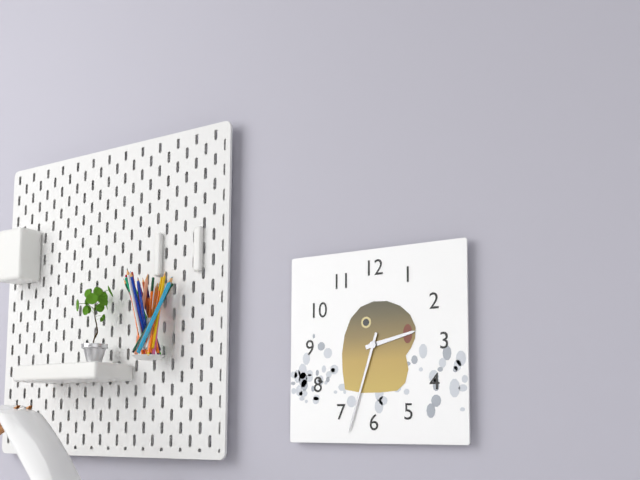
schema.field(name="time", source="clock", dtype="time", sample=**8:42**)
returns **2:33**
